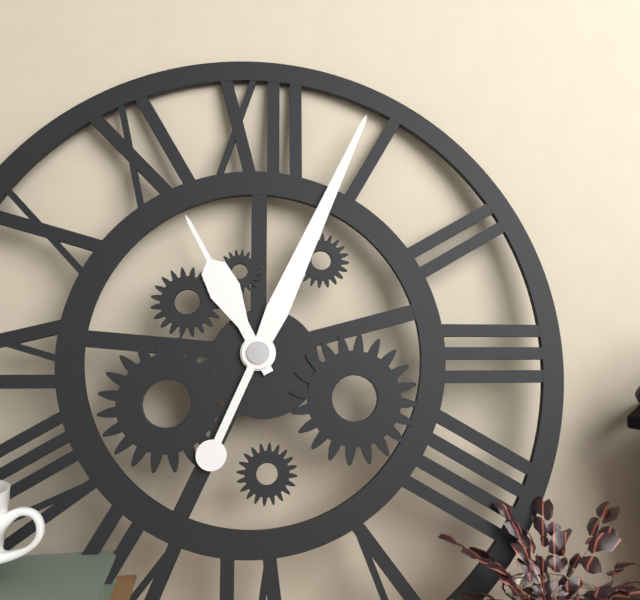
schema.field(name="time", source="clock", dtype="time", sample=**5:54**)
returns **11:04**
